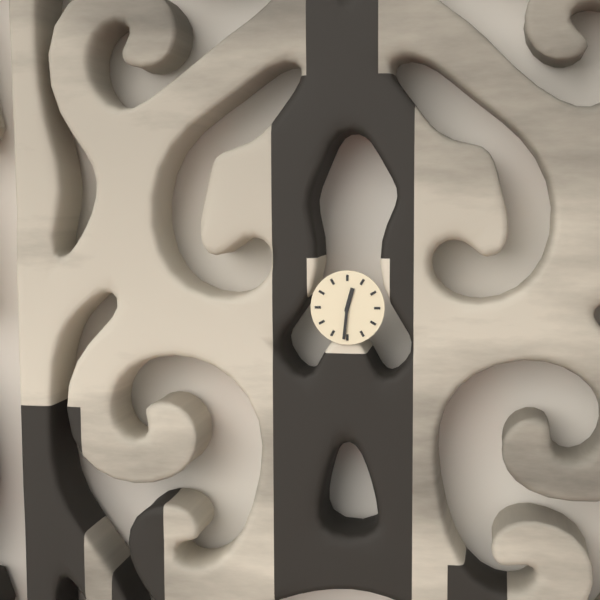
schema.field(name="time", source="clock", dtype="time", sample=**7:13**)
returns **12:31**
